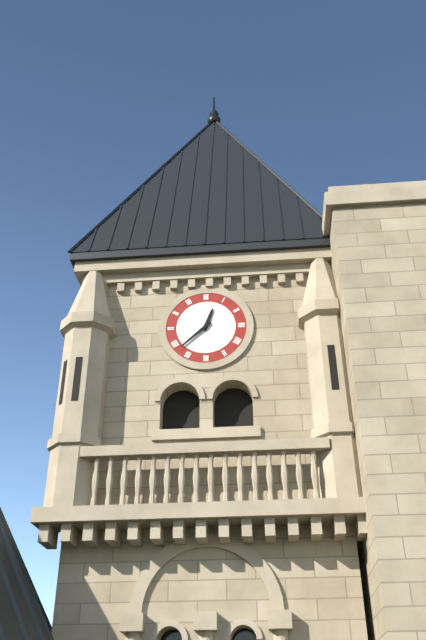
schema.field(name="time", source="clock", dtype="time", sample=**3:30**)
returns **12:38**
